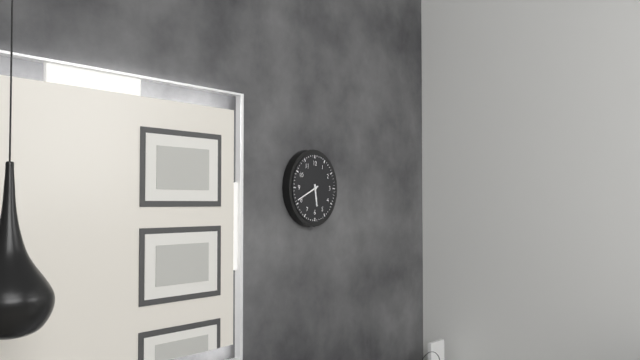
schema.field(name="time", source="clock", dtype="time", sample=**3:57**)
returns **5:41**
